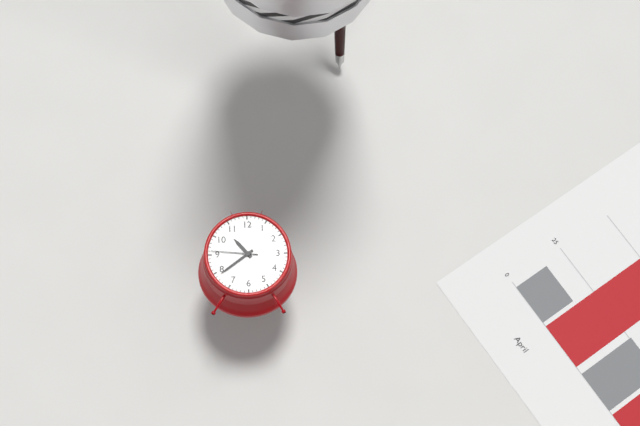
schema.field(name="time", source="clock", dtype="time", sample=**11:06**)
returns **10:39**
